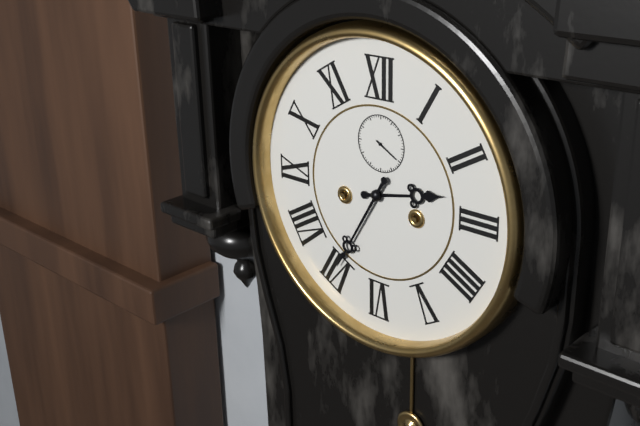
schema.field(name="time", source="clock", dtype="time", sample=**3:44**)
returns **2:35**
